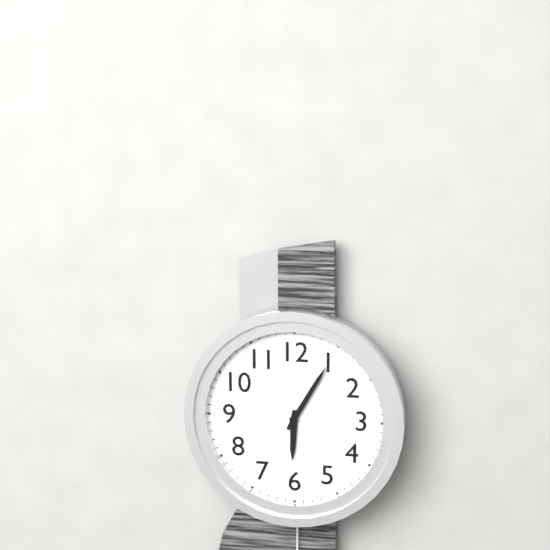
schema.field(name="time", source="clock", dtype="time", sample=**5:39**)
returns **6:05**
